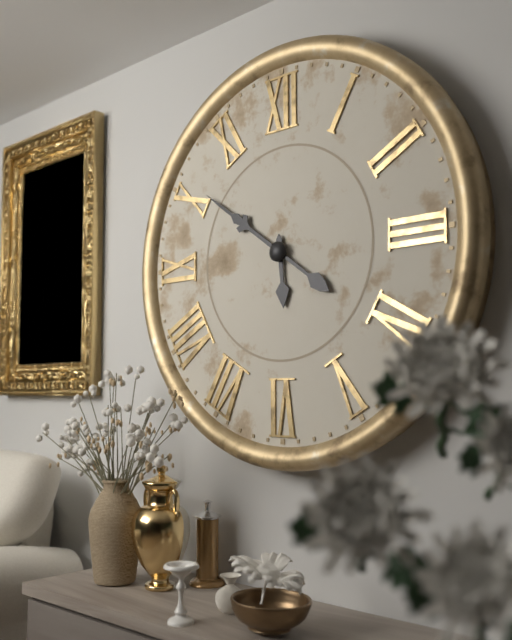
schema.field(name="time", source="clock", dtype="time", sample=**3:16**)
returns **5:51**
